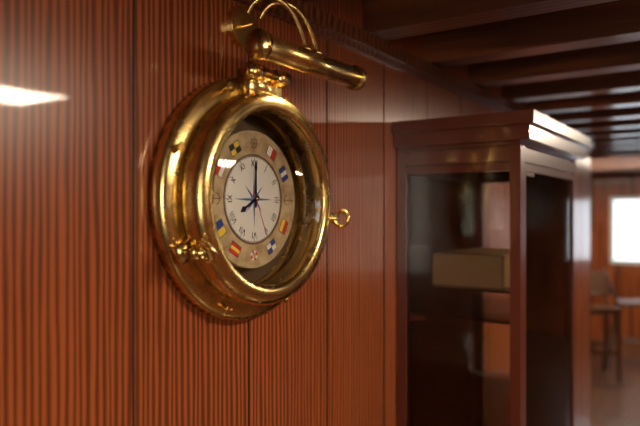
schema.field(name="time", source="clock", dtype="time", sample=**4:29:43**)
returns **8:00:26**
